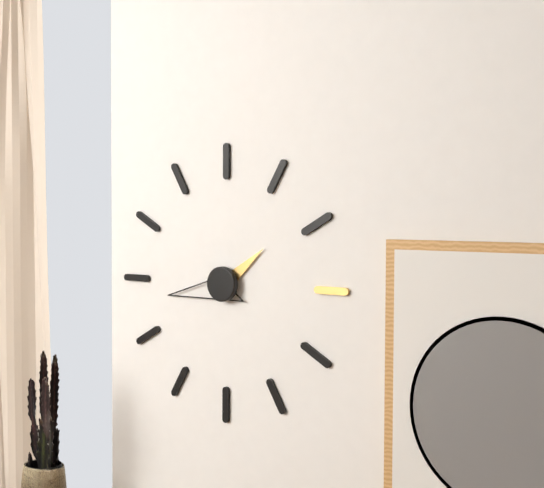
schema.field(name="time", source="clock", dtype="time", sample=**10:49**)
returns **1:43**
